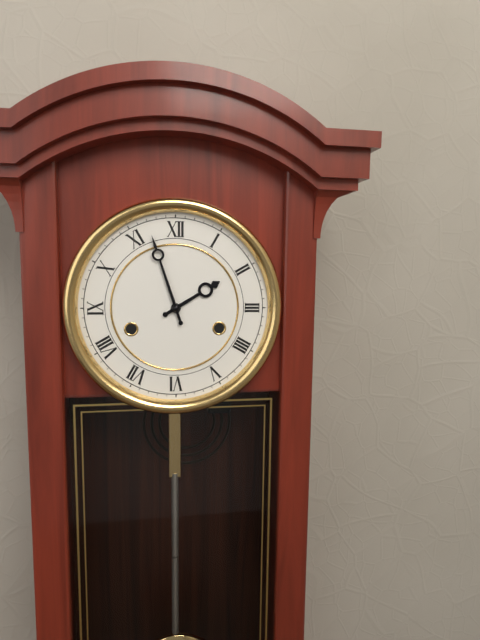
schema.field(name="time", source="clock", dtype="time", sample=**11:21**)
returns **1:57**
